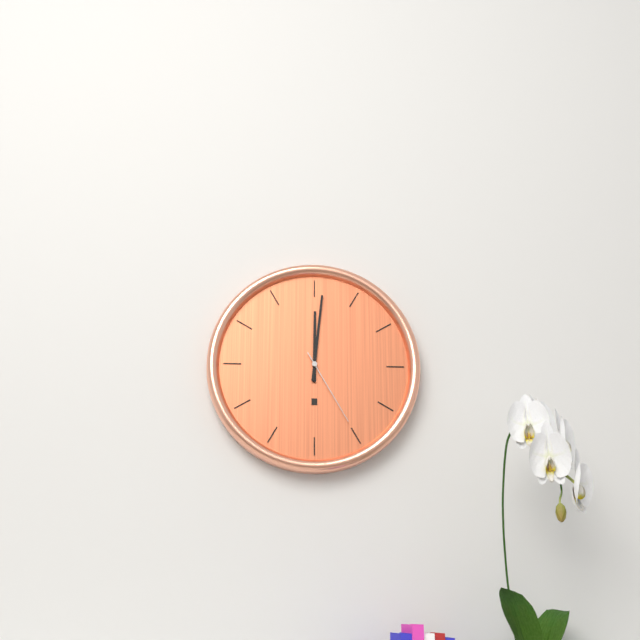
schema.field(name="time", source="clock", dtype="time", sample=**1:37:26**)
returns **12:01:25**
